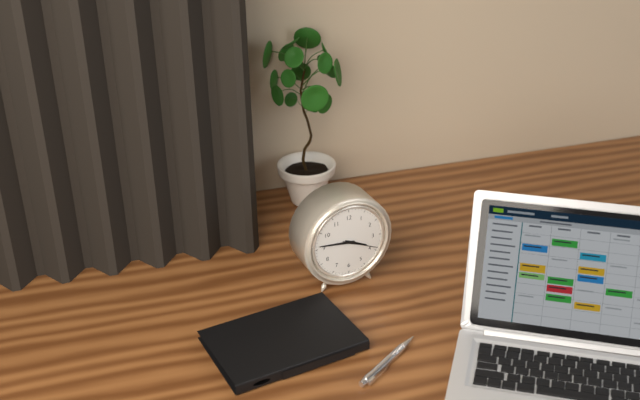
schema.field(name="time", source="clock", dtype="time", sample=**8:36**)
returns **3:46**
